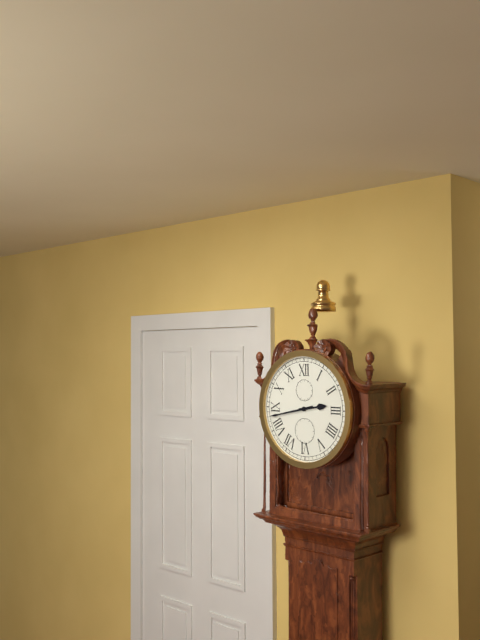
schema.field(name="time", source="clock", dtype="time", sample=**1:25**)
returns **2:43**
